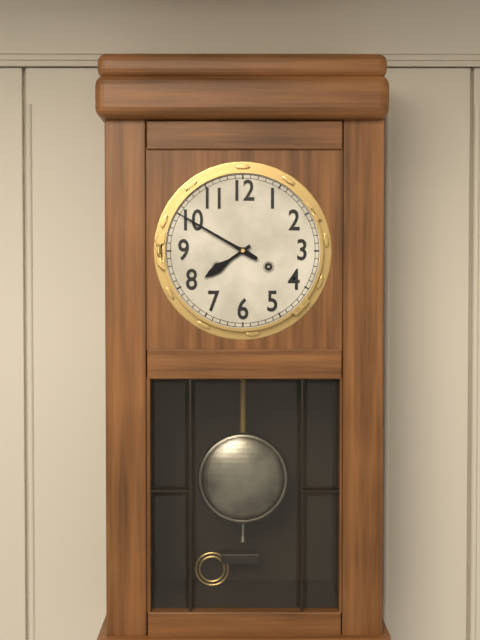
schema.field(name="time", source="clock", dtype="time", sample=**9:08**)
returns **7:50**
